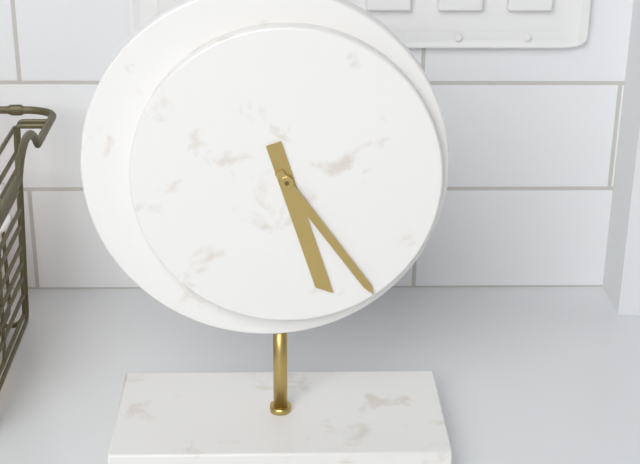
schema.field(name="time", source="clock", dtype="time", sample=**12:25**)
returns **5:24**
